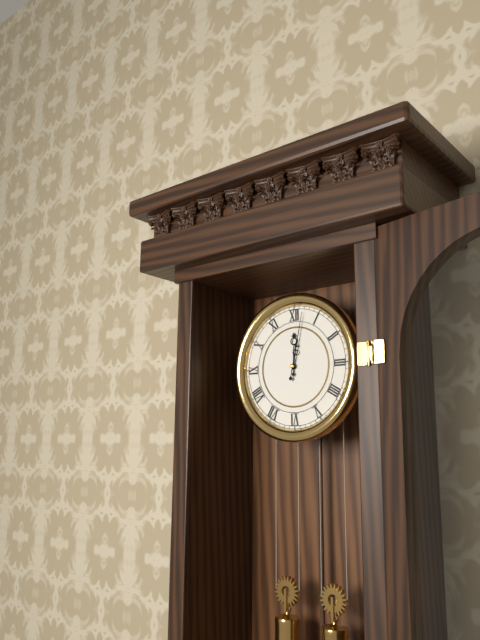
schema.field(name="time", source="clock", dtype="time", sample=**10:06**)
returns **12:02**
